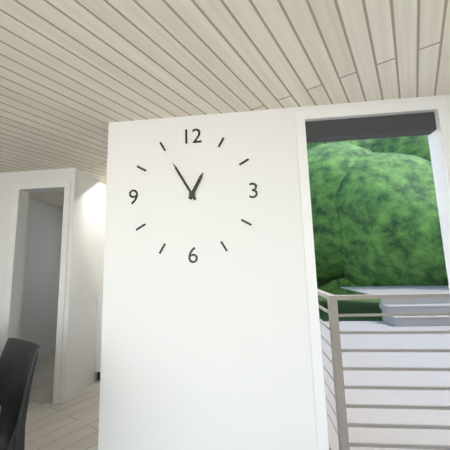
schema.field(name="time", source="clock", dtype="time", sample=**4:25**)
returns **12:55**
